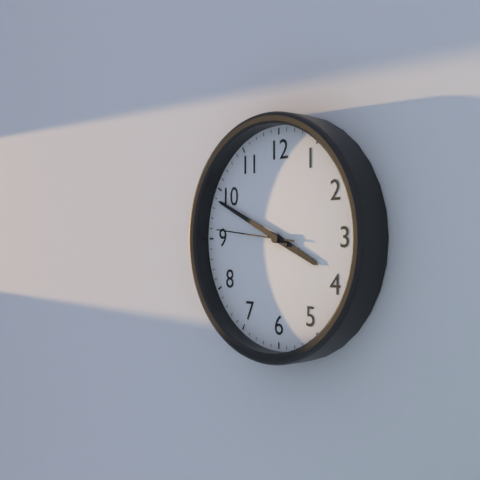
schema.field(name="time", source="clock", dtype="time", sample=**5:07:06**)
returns **3:49:46**
